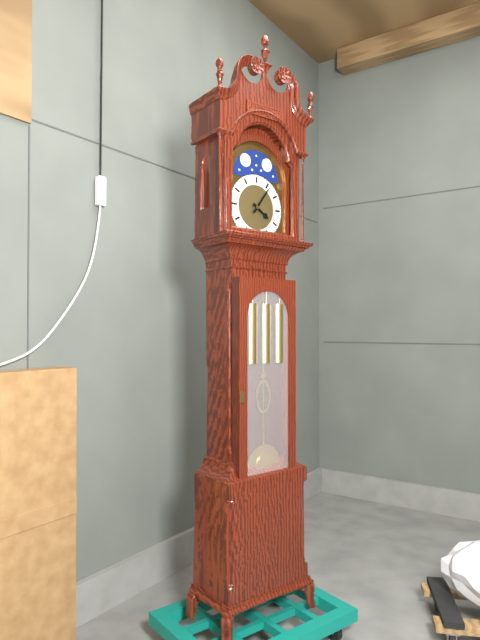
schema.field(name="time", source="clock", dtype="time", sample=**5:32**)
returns **4:06**
